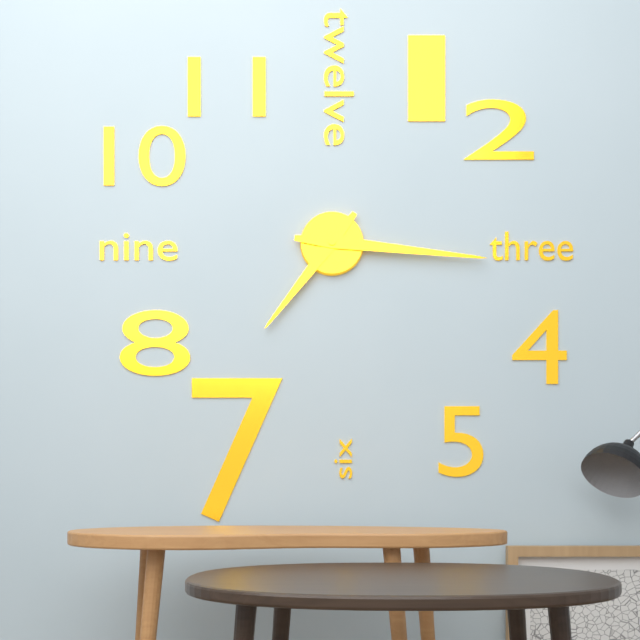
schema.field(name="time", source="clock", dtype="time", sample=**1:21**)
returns **7:16**
